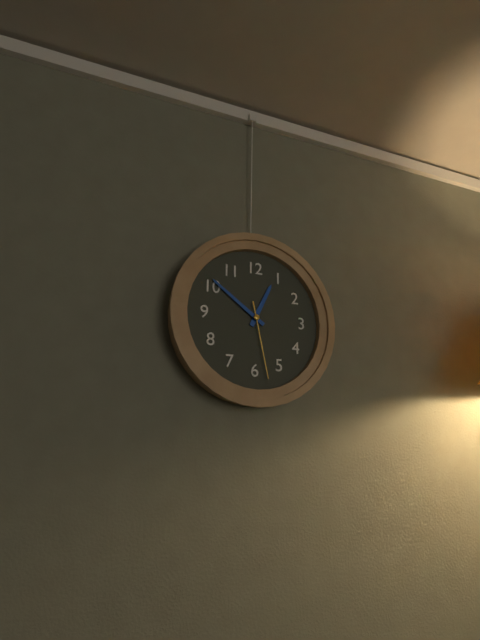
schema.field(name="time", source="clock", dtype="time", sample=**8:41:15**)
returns **12:51:28**
